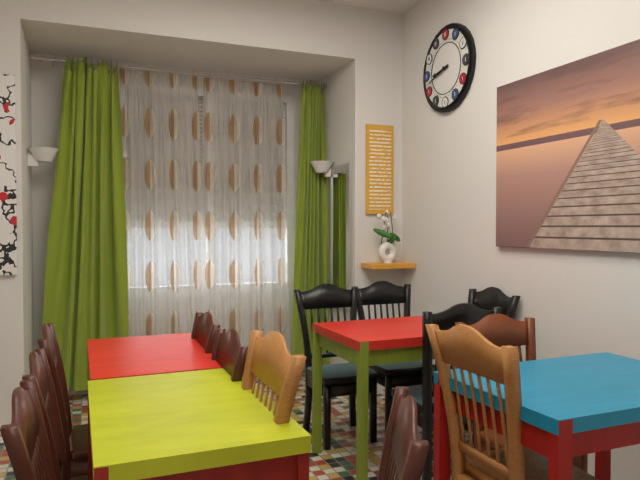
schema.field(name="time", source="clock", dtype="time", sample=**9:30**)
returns **8:42**
